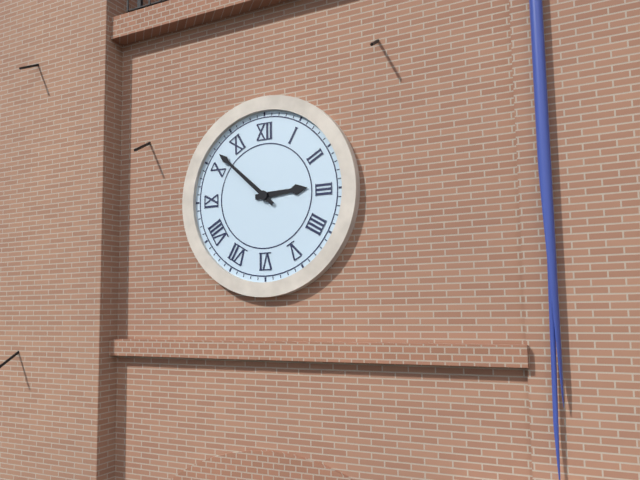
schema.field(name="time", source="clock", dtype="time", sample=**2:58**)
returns **2:52**
